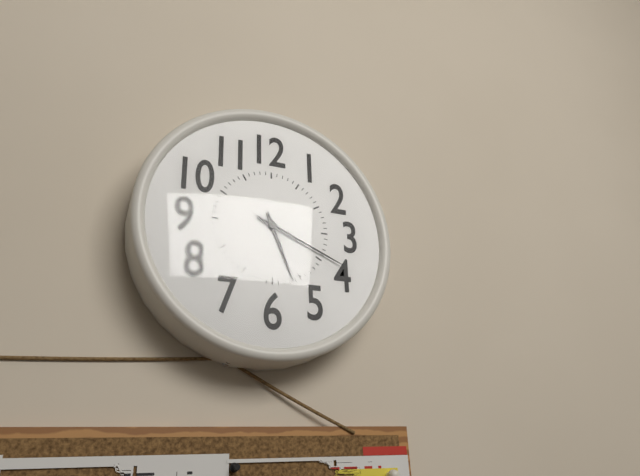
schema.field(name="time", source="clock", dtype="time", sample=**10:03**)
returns **5:19**
